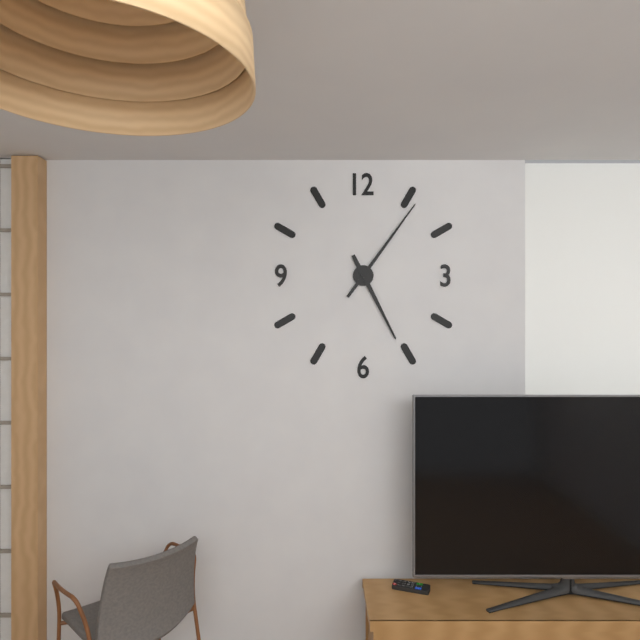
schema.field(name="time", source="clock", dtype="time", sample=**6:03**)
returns **5:06**
